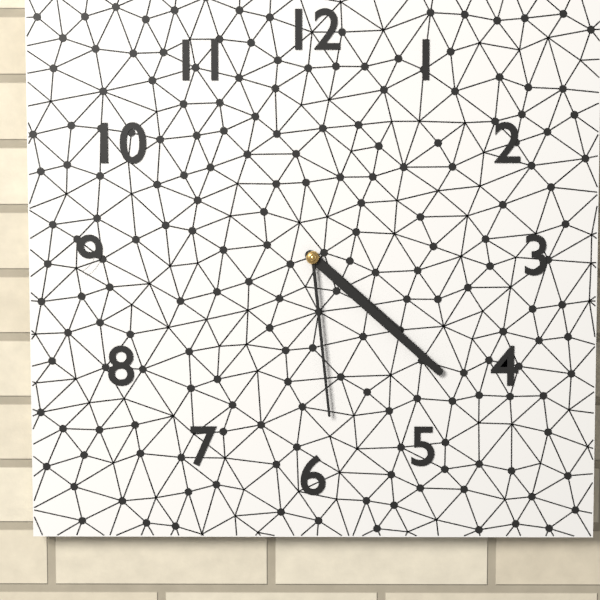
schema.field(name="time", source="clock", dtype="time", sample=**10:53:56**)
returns **4:22:29**
